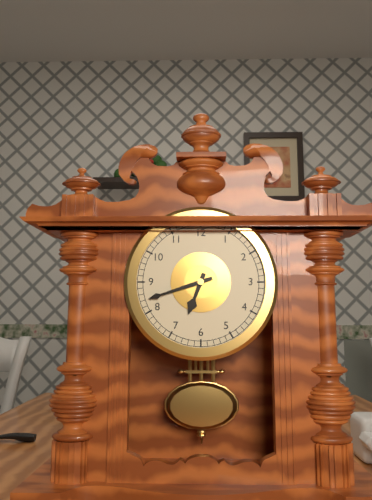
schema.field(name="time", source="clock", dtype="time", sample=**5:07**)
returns **6:42**
